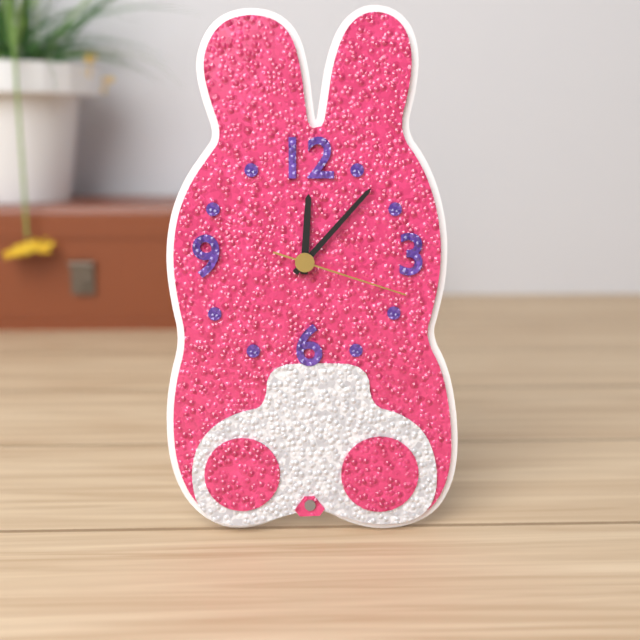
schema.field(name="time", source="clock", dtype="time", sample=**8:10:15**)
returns **12:07:18**
